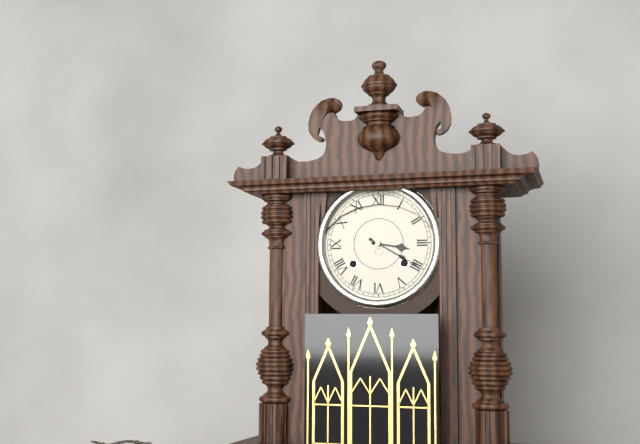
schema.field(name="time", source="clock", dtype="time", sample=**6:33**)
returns **3:20**
